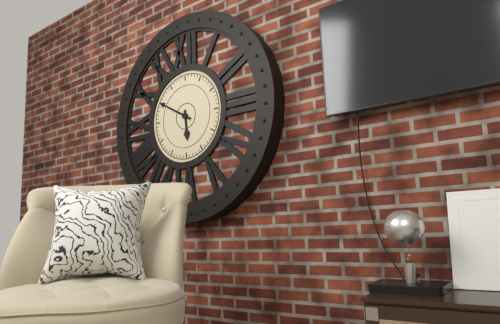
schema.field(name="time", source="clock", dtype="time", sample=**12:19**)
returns **5:50**
